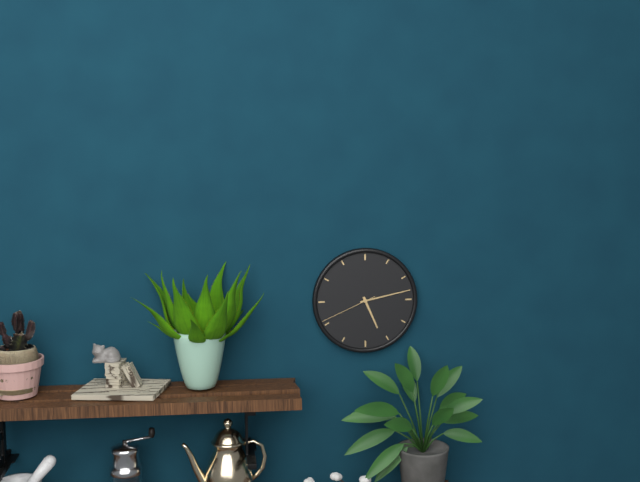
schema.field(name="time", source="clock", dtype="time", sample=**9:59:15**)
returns **5:13:41**
